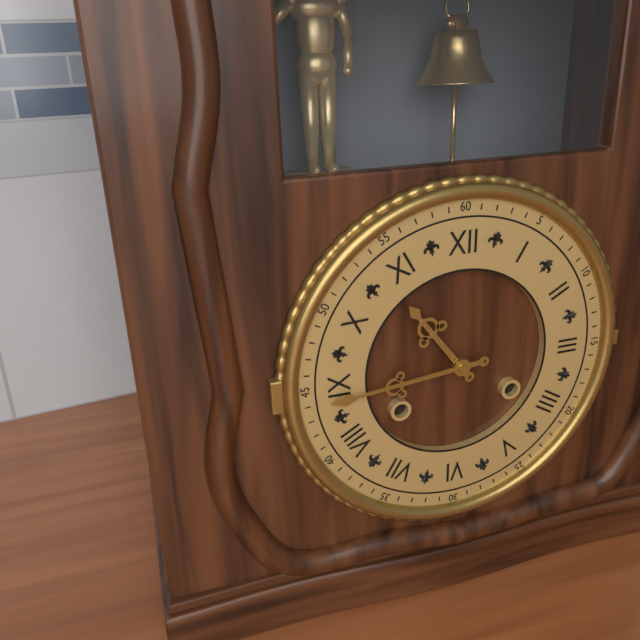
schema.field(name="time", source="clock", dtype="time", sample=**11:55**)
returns **10:44**
